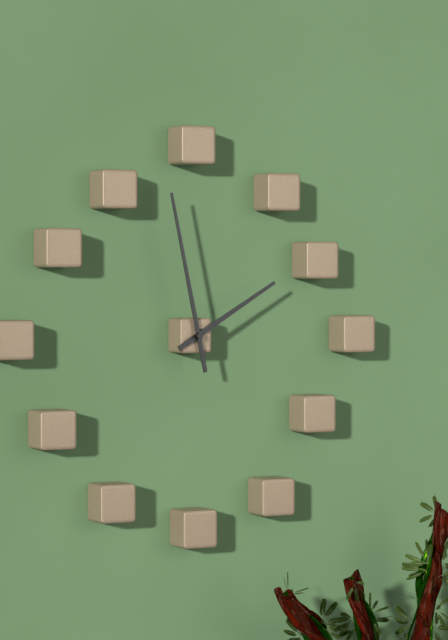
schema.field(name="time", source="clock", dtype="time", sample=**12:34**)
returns **1:58**
